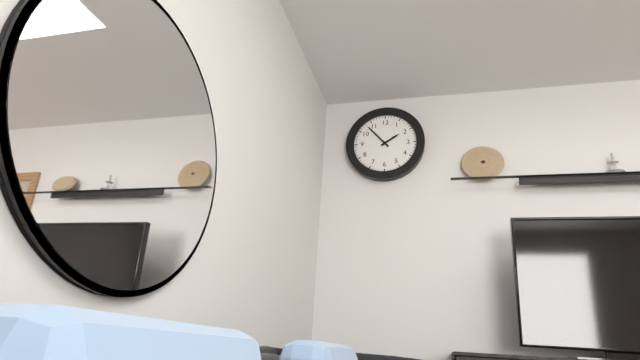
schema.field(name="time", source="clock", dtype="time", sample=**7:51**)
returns **1:53**
